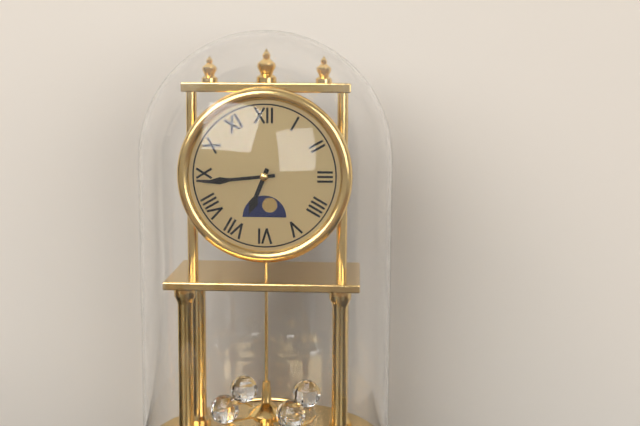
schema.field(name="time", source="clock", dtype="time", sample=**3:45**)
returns **6:44**
